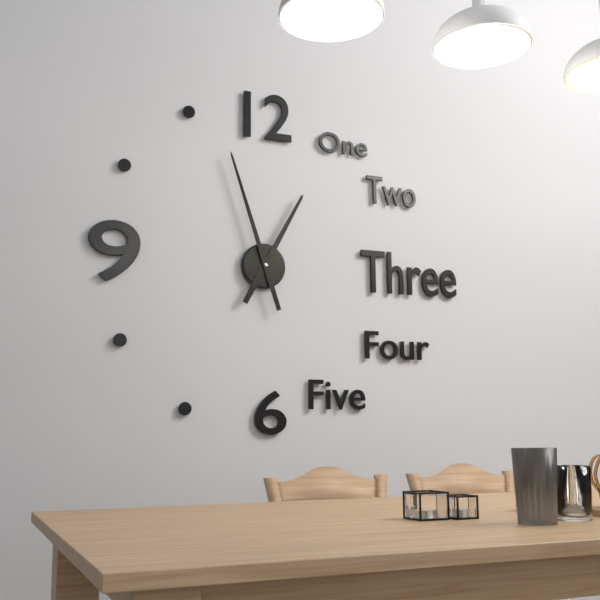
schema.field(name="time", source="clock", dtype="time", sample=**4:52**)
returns **12:57**
